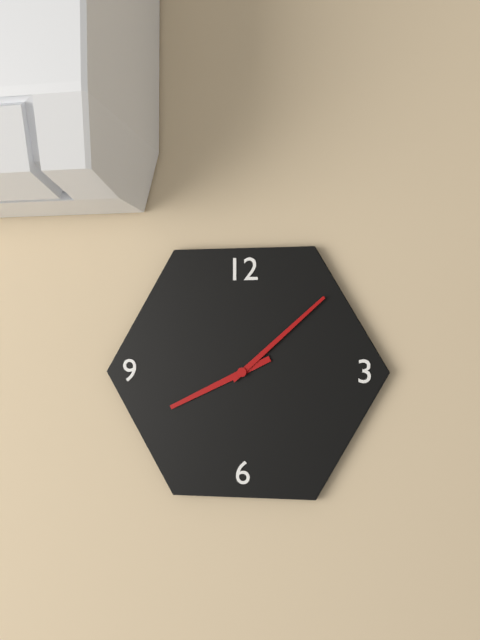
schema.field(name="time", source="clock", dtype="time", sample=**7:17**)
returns **8:08**
